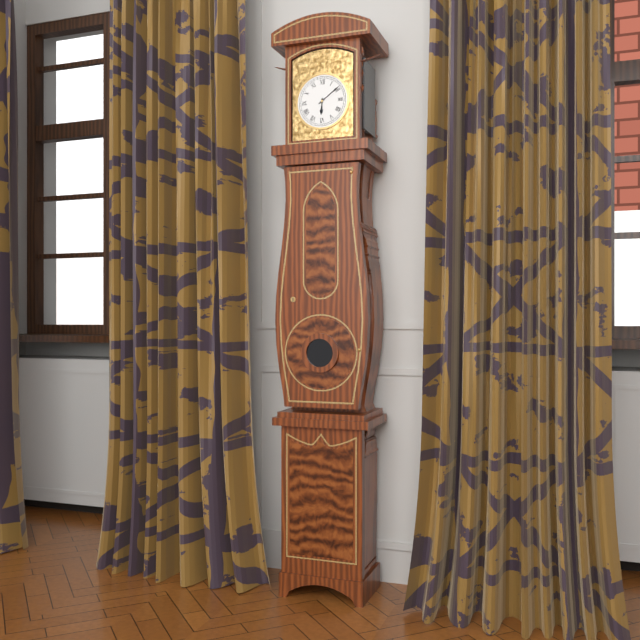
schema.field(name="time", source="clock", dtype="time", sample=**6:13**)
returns **6:09**
